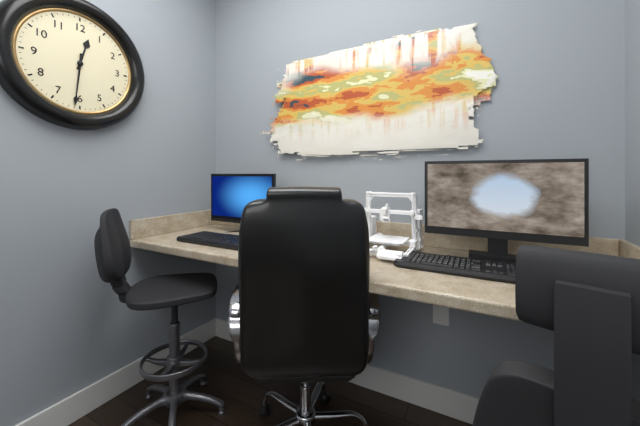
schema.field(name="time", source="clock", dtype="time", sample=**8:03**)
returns **12:31**
